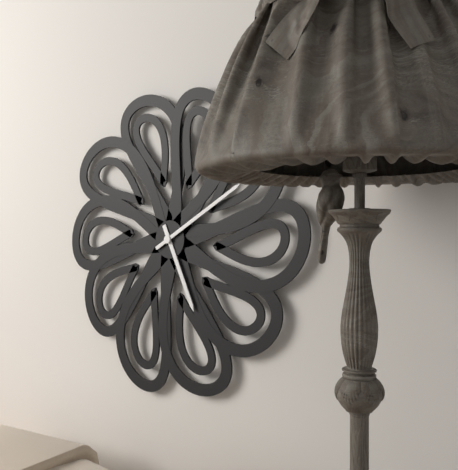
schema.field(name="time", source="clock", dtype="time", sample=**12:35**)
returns **5:10**
